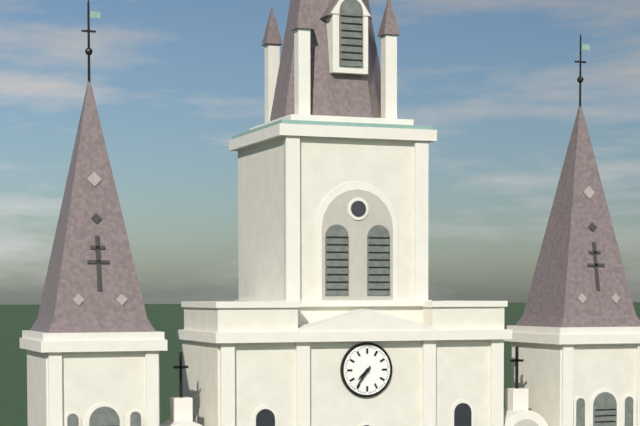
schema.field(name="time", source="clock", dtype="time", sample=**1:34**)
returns **7:36**
